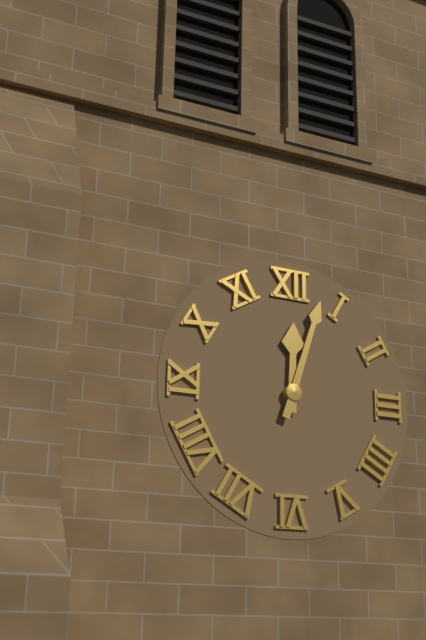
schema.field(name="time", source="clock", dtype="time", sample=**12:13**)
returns **12:03**
